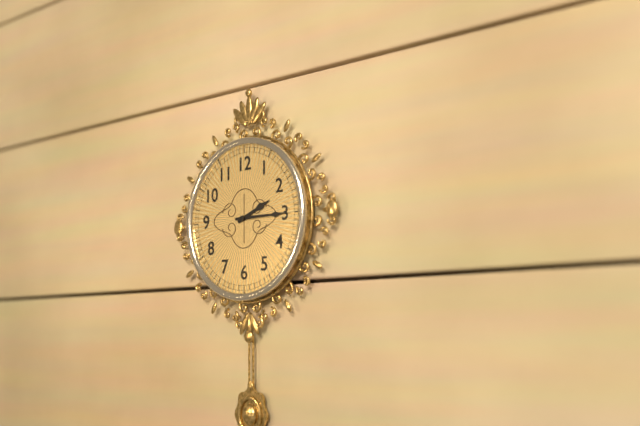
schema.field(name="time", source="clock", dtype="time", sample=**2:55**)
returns **2:15**
